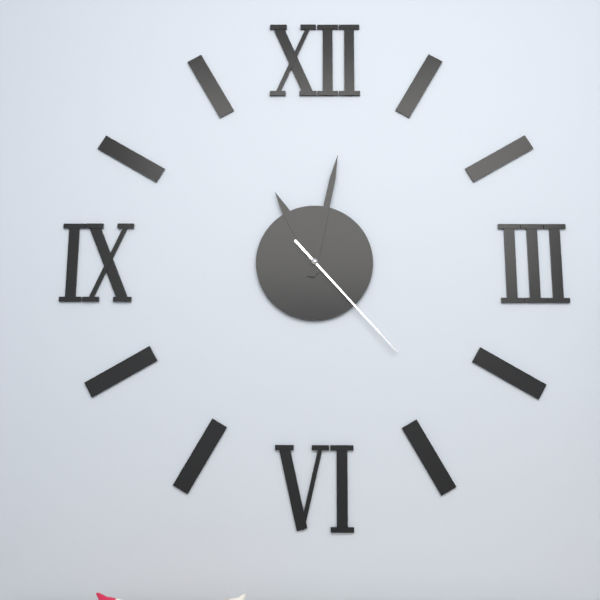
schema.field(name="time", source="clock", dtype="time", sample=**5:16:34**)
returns **11:02:23**
